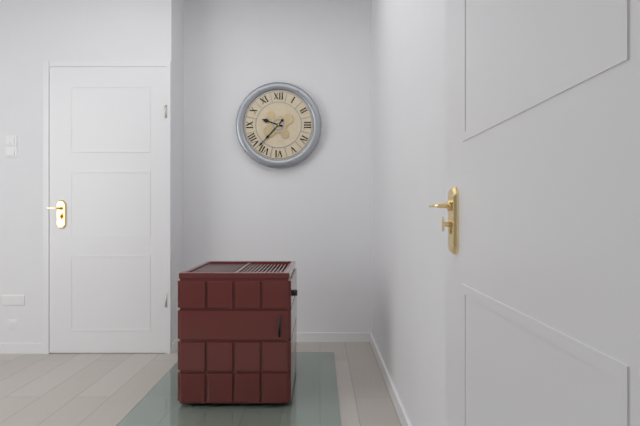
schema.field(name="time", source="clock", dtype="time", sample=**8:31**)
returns **9:37**
